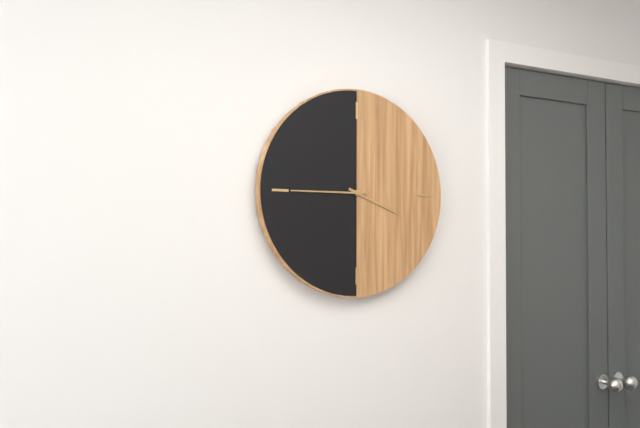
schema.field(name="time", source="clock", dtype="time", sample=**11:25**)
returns **3:45**
